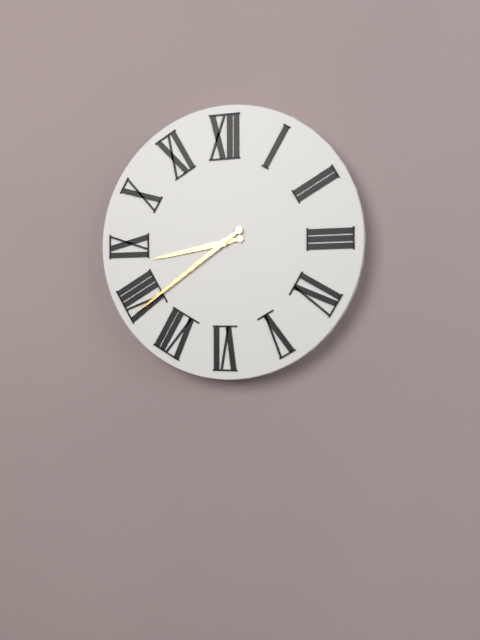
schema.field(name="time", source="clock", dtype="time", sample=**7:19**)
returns **8:39**
